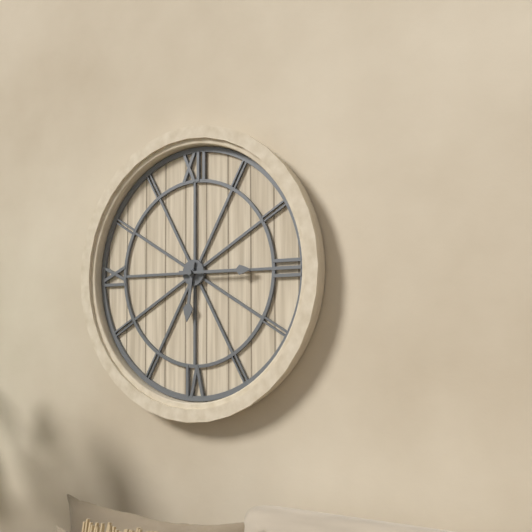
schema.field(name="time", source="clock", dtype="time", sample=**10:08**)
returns **6:15**
